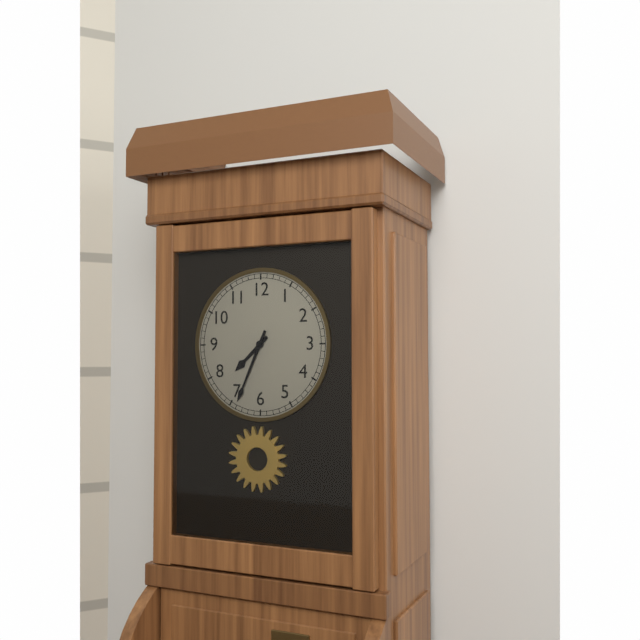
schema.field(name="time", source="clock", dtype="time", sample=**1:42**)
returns **7:34**
